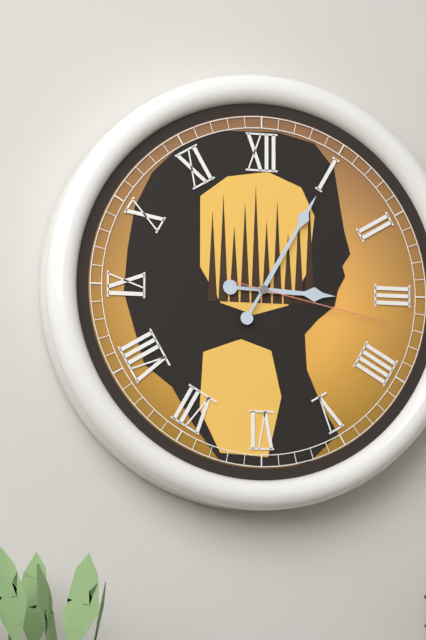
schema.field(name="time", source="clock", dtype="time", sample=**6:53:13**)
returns **3:05:17**
